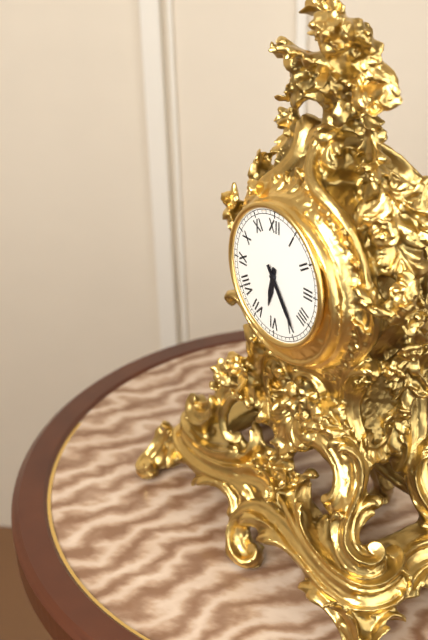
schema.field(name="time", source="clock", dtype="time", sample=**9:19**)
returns **6:24**
